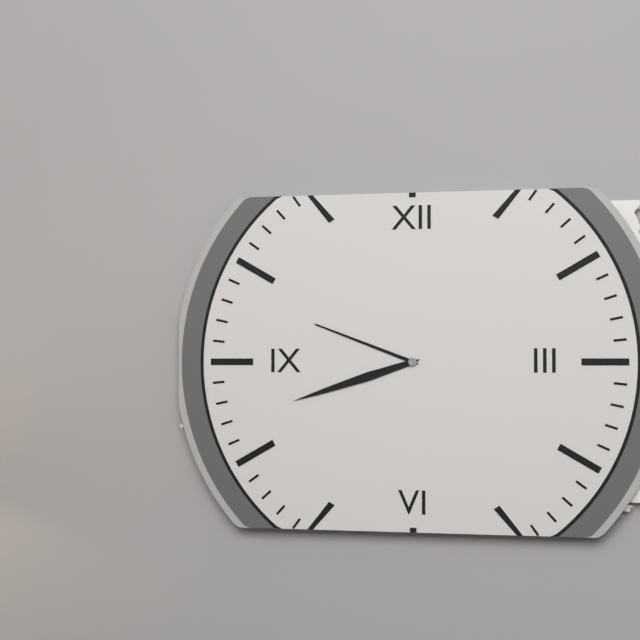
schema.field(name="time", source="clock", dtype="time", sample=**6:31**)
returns **9:42**
